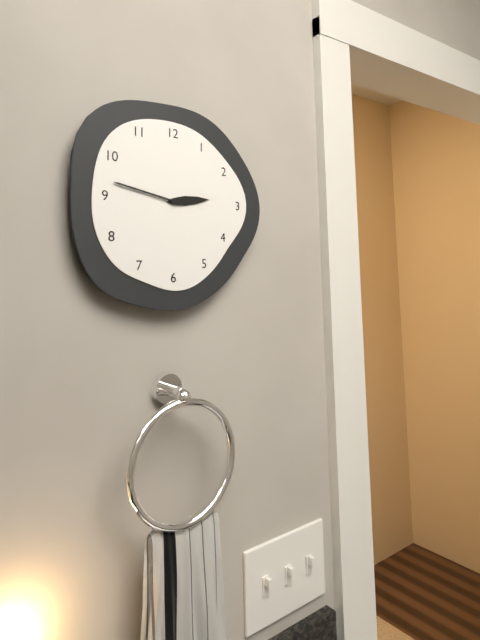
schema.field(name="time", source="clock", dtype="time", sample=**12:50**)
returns **2:47**
